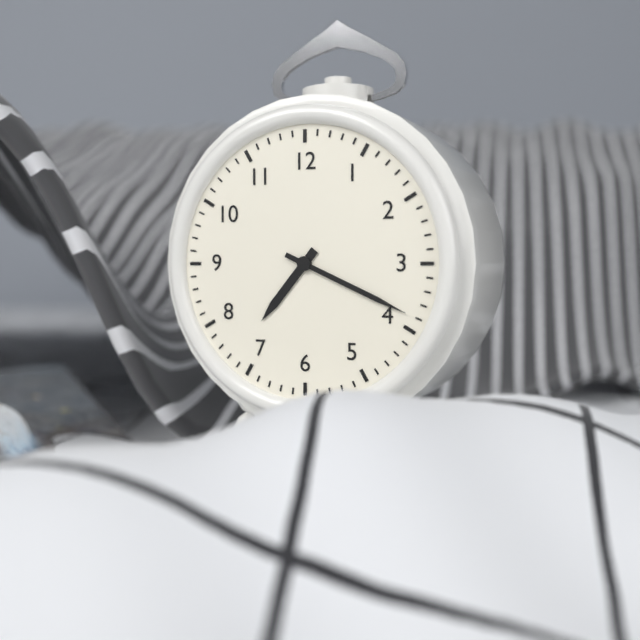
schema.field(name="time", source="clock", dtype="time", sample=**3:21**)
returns **7:19**
